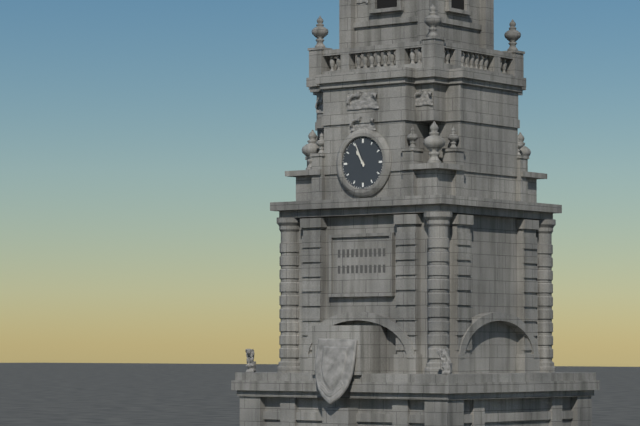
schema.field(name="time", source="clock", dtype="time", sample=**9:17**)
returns **10:56**
